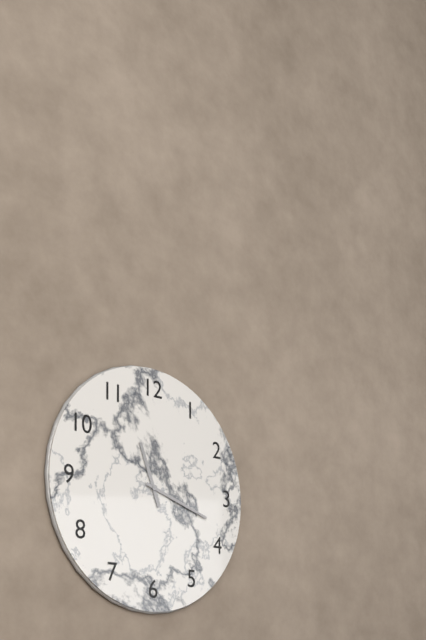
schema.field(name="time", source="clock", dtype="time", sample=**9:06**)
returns **11:18**
